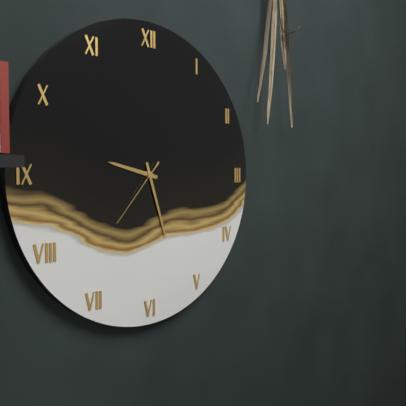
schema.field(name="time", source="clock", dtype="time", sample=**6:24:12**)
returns **9:27:37**
